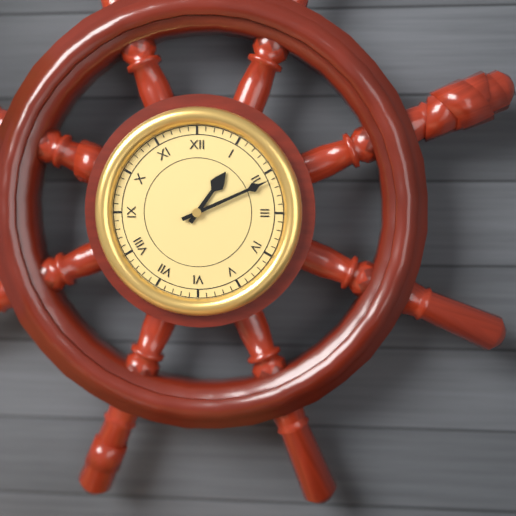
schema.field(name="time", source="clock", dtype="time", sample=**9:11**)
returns **1:11**
